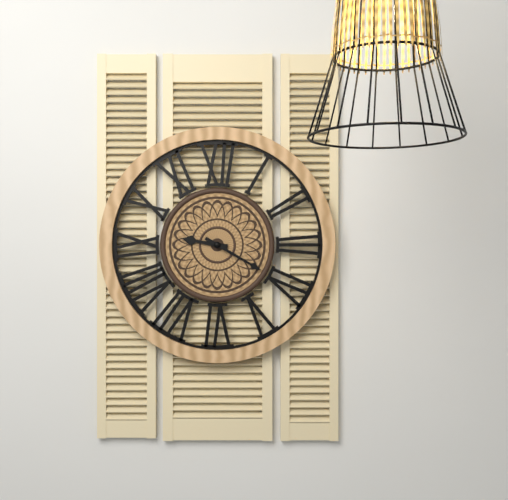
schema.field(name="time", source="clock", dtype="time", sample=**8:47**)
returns **9:20**
